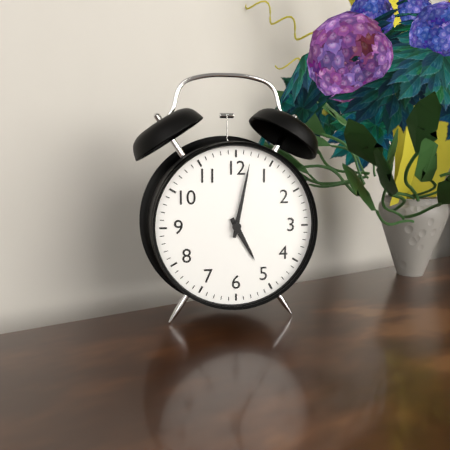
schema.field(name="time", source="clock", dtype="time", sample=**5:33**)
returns **5:02**
